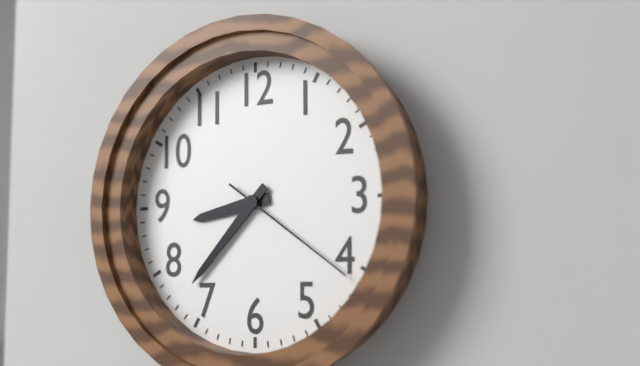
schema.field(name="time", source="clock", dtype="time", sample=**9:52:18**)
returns **8:37:21**
